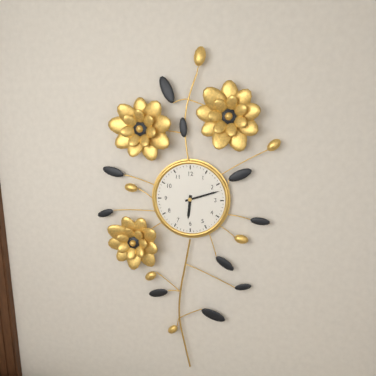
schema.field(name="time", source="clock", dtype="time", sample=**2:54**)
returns **6:12**
